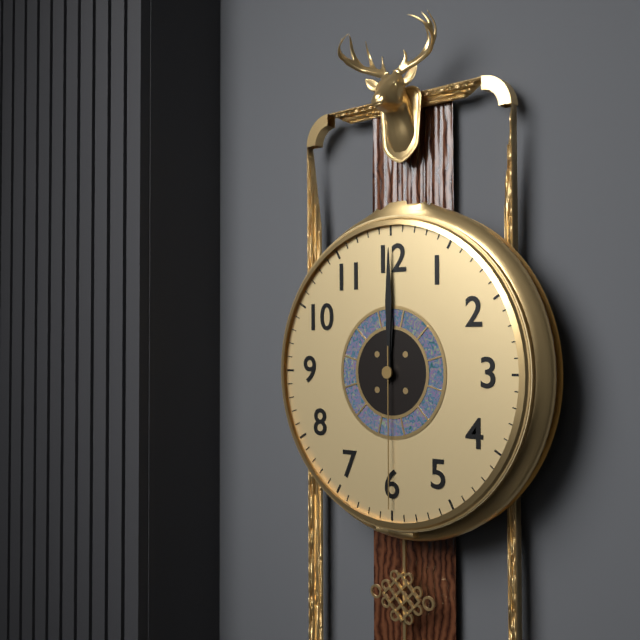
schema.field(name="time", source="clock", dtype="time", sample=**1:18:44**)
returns **12:00:30**
